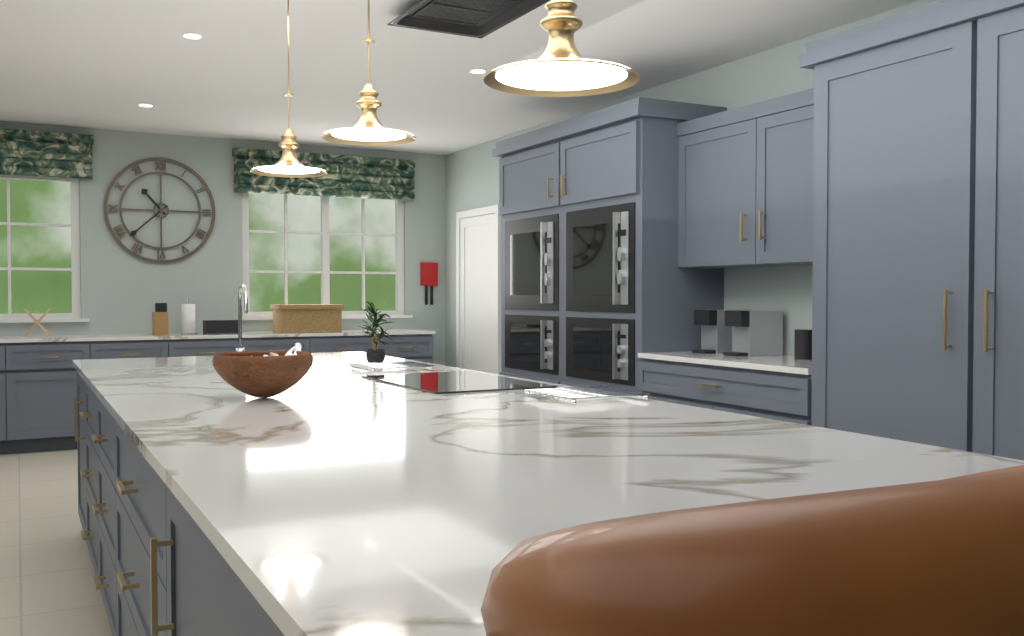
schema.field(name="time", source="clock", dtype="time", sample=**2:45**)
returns **10:38**
